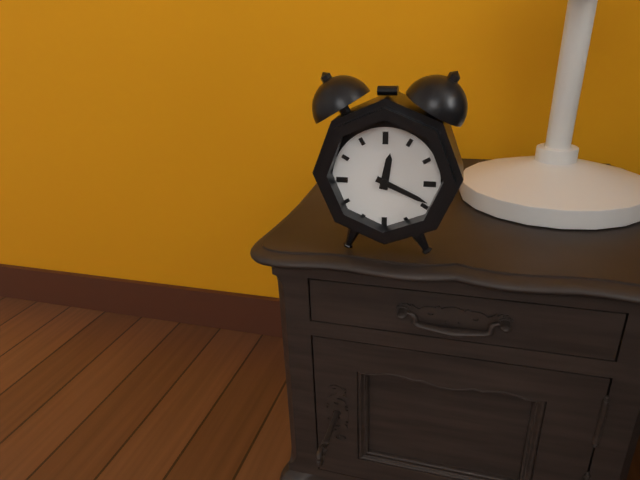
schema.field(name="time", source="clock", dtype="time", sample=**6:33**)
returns **12:19**
